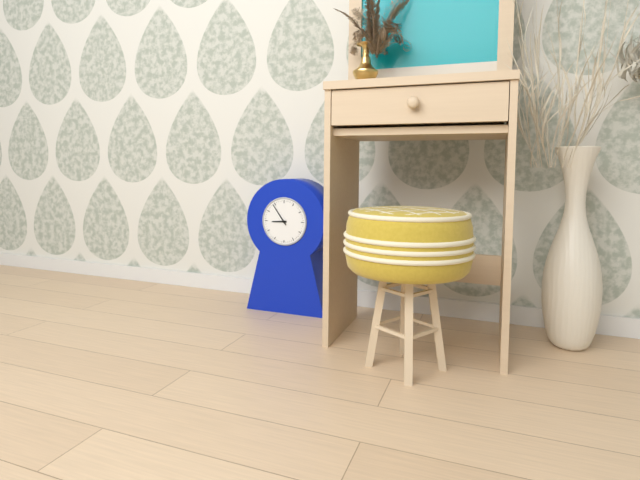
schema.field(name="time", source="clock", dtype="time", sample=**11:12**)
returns **8:54**
